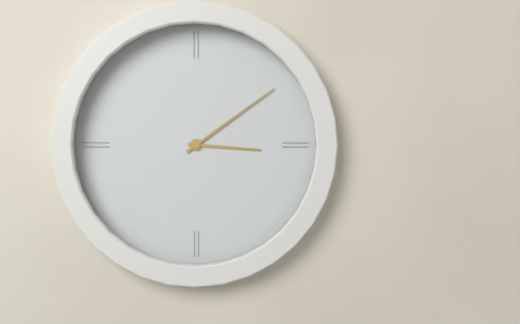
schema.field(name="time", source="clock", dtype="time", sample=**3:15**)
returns **3:09**
